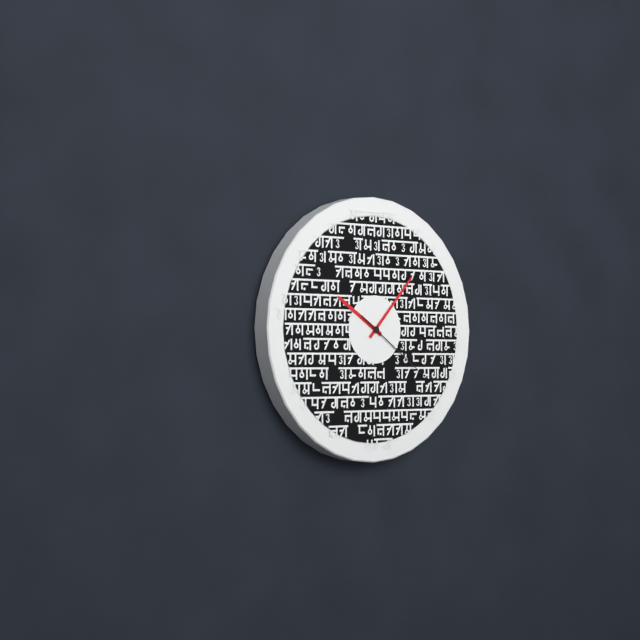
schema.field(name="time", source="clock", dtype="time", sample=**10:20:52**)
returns **10:07:21**
